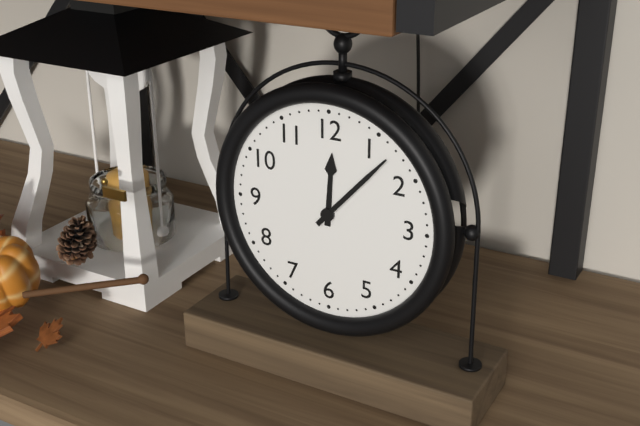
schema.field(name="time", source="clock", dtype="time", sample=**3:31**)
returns **12:07**
